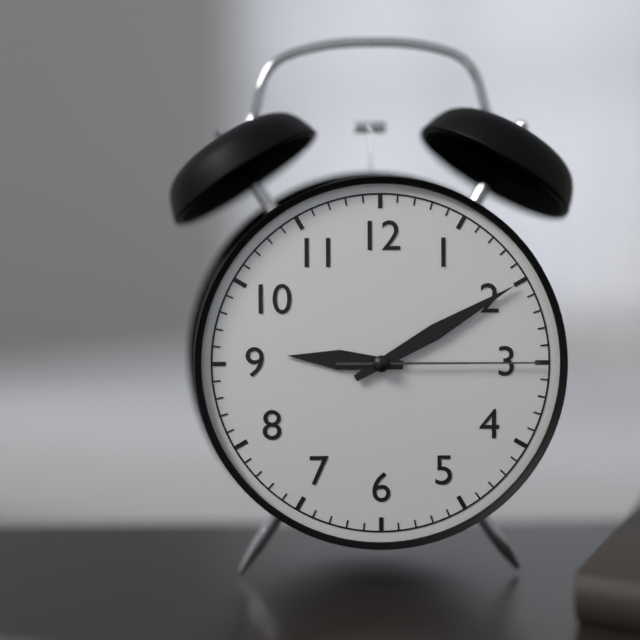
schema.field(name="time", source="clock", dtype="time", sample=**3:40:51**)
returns **9:10:15**
